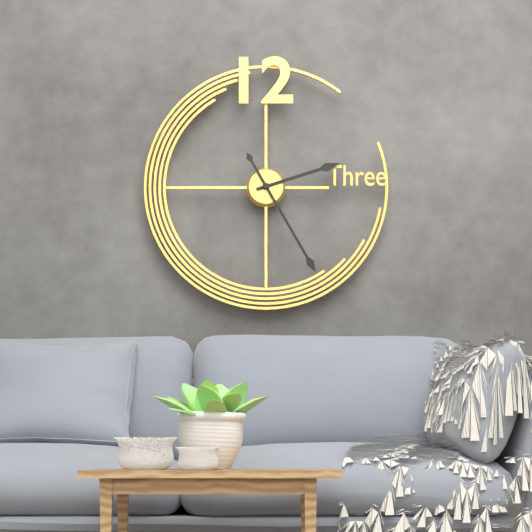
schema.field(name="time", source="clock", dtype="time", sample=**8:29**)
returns **2:25**
